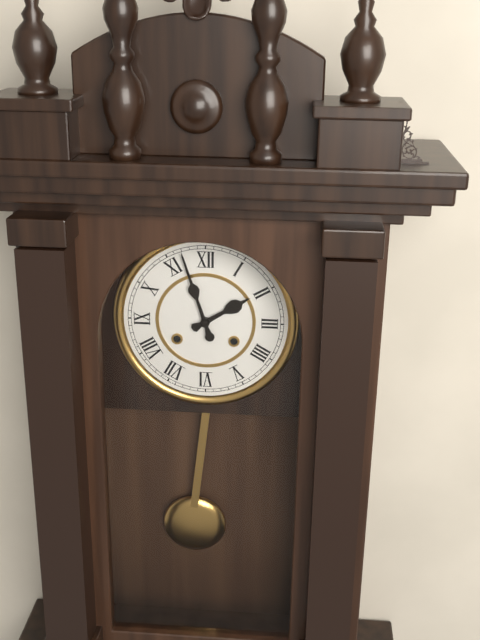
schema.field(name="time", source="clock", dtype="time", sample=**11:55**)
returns **1:57**
